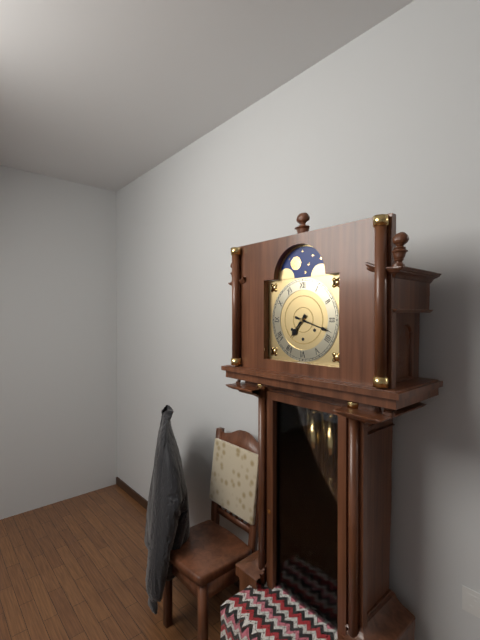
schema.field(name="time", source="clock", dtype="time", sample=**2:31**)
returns **7:18**
